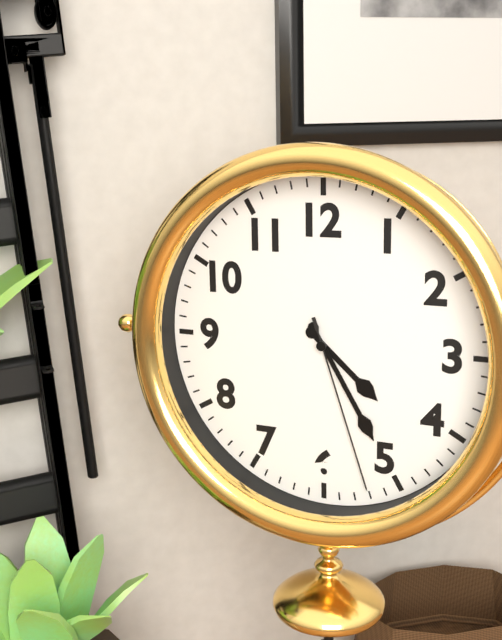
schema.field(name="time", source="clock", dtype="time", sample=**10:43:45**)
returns **4:25:27**
